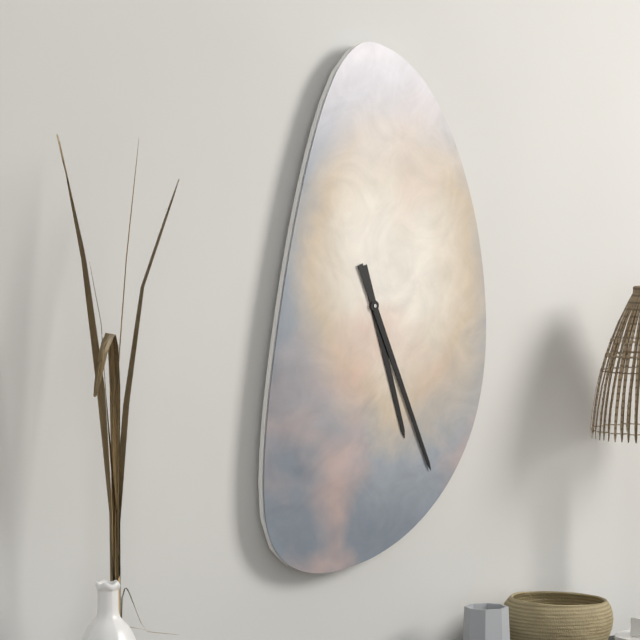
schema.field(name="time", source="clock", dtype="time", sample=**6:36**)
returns **5:26**
